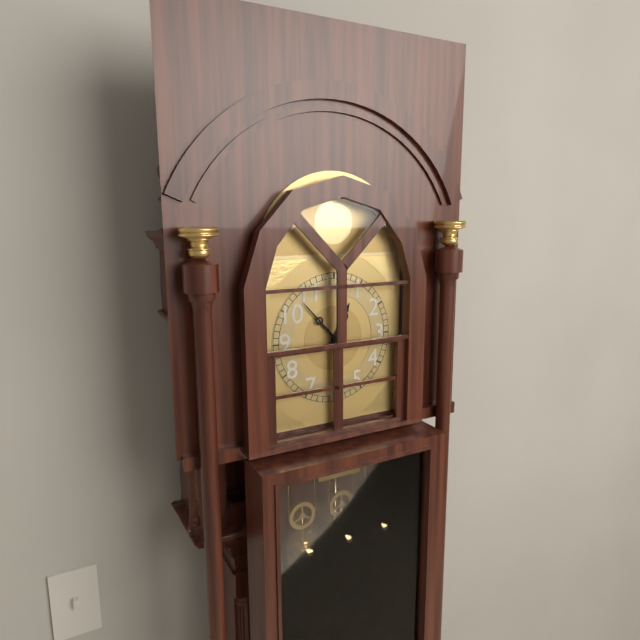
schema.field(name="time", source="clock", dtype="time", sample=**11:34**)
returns **12:53**
